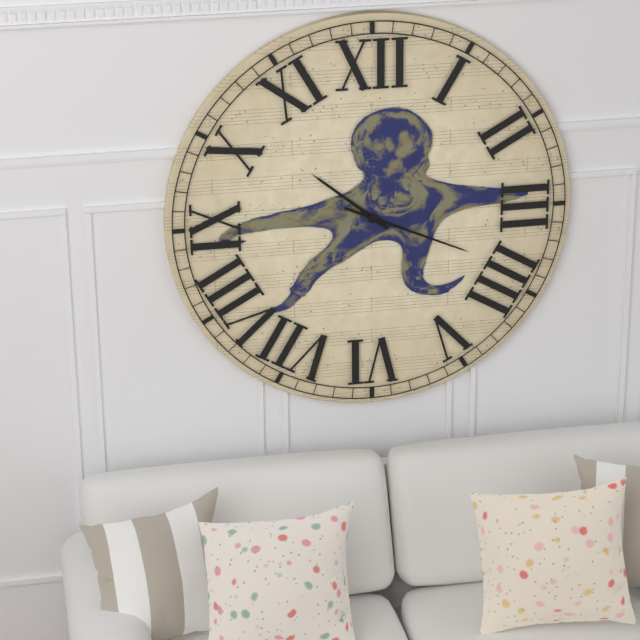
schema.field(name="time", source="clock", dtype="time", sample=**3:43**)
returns **10:19**
